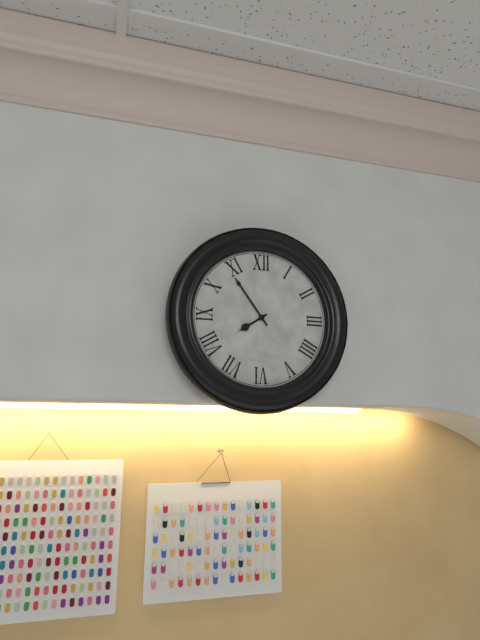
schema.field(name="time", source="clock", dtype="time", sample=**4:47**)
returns **7:54**
